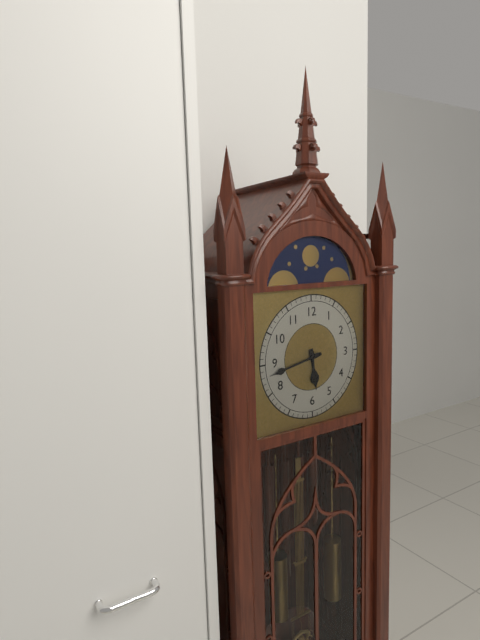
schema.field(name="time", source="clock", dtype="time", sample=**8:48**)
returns **5:43**
